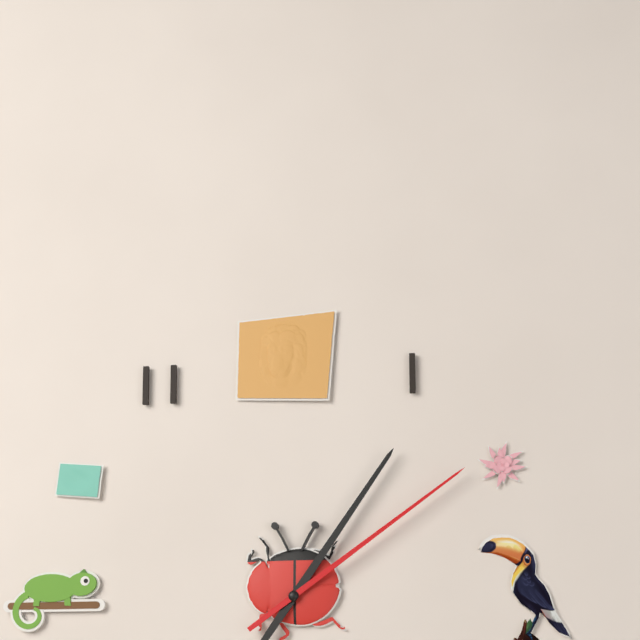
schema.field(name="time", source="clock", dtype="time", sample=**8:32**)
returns **1:09**
